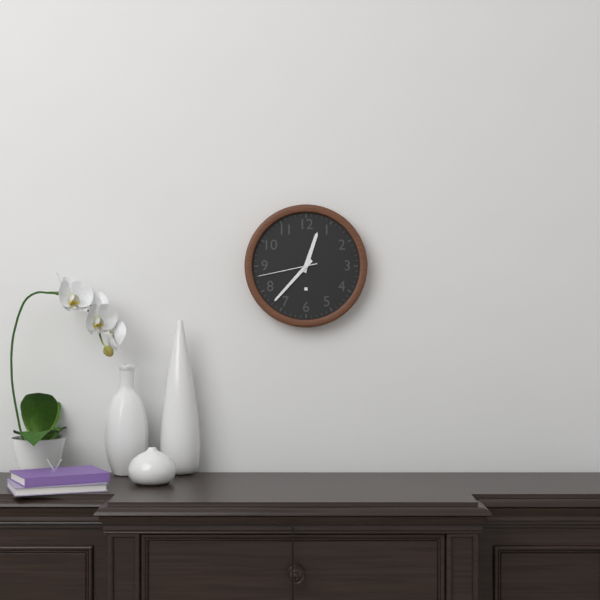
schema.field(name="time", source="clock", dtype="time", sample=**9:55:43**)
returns **12:37:43**
